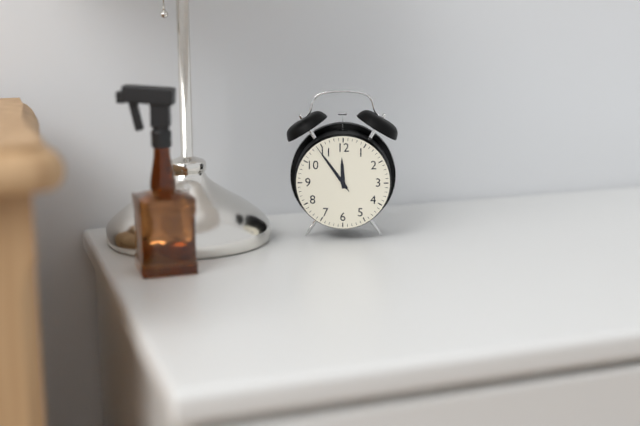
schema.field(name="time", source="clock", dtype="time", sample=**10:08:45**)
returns **11:54:54**
